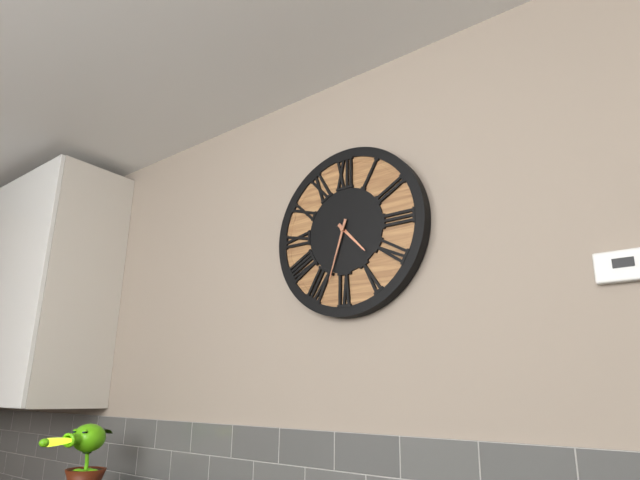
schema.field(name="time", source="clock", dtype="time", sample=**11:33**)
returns **4:33**
